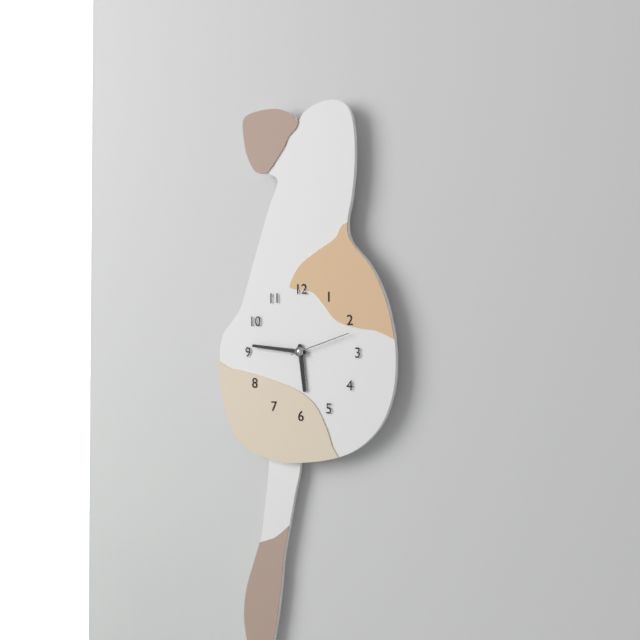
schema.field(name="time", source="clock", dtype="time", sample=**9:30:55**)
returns **5:46:12**
